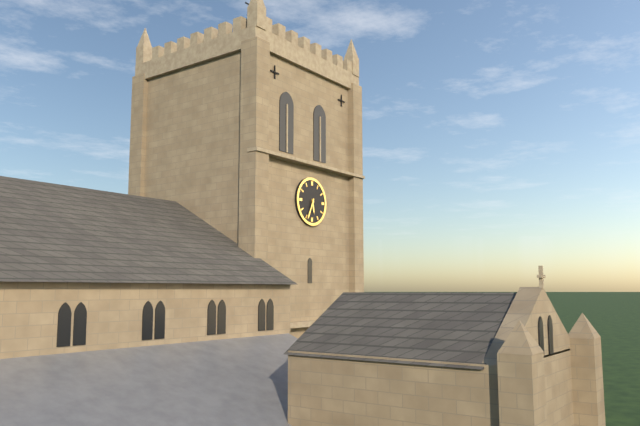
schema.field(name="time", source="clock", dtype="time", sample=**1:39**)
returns **5:34**
